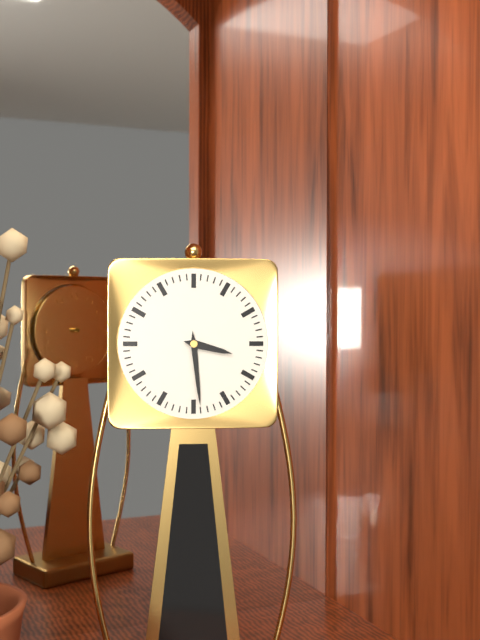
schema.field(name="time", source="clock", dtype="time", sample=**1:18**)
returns **3:29**
